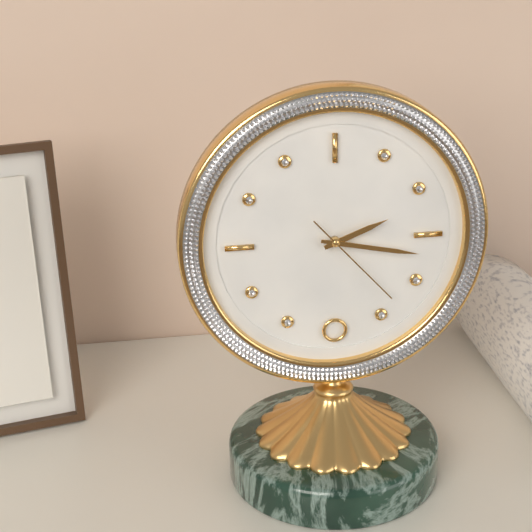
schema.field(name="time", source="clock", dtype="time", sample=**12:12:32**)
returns **2:17:23**
